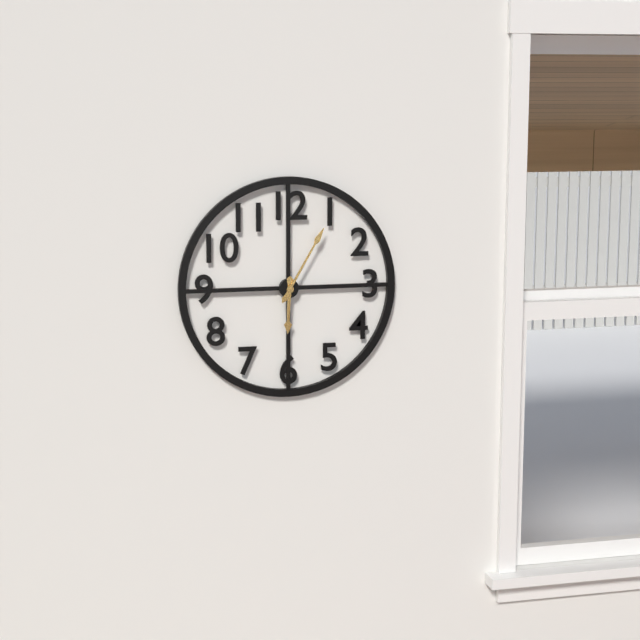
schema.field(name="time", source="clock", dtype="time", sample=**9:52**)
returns **6:05**
